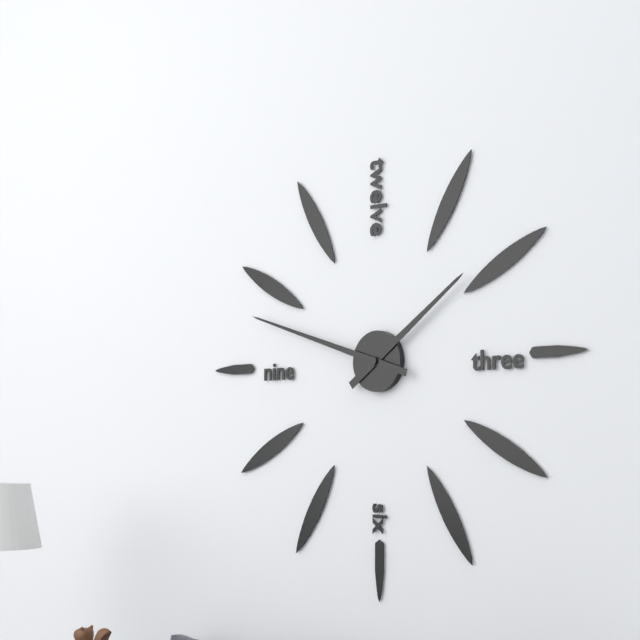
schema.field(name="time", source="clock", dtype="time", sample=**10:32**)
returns **1:48**
